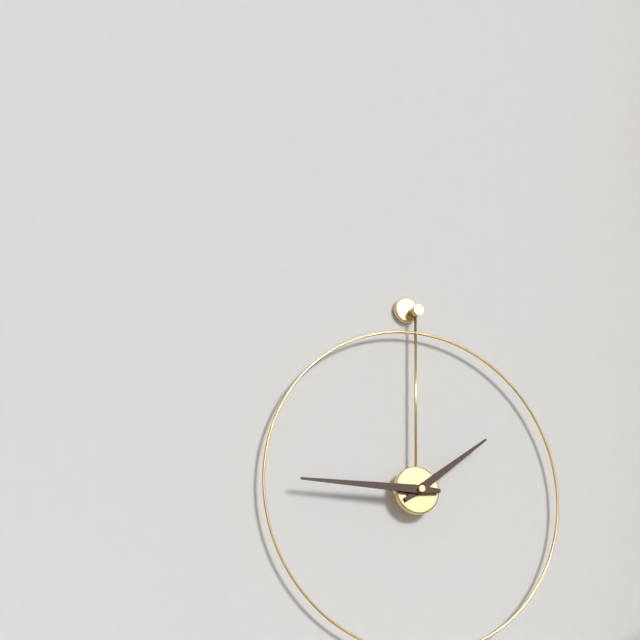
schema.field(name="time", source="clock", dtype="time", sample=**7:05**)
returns **1:45**
